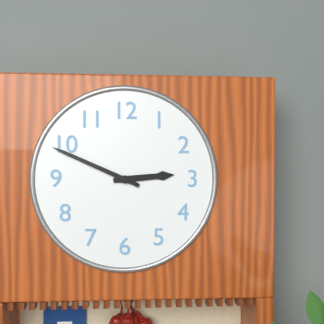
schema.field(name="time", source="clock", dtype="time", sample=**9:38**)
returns **2:49**
